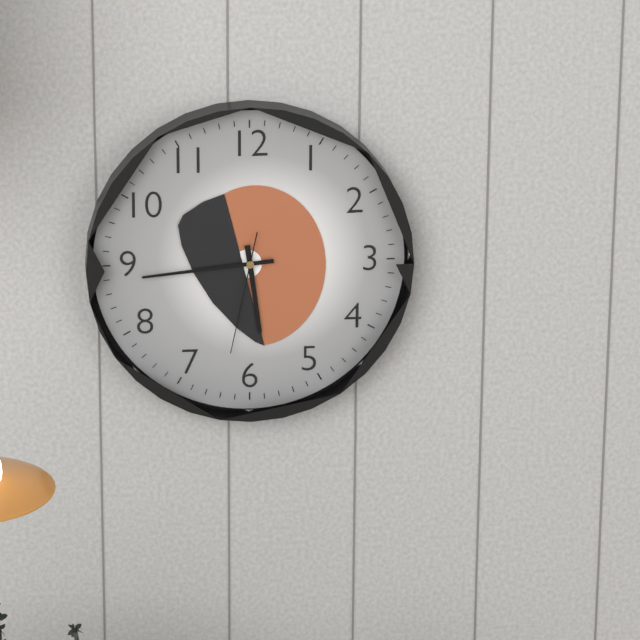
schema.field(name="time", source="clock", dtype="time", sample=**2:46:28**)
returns **5:44:32**
